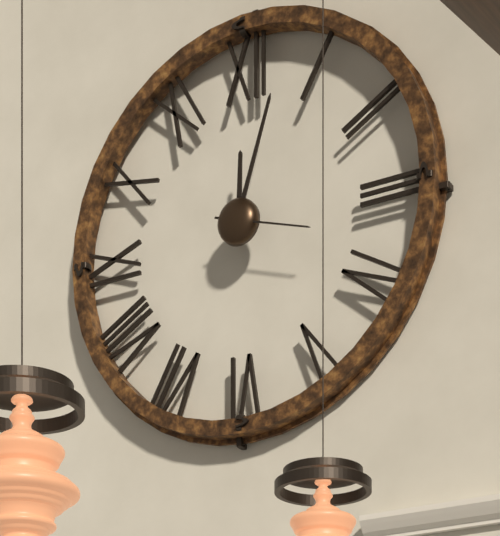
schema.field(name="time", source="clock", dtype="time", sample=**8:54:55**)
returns **12:03:18**
